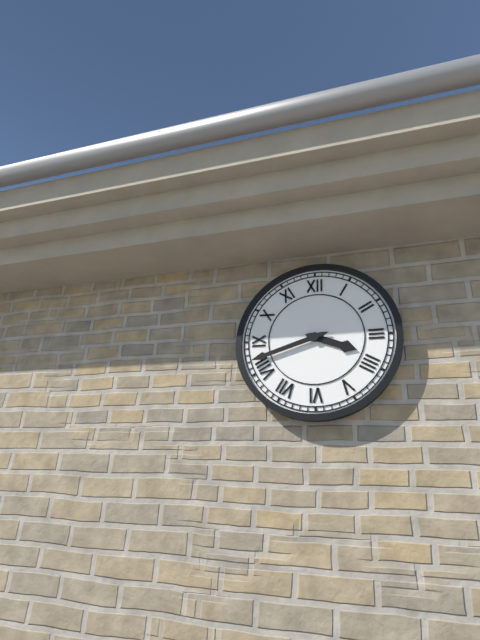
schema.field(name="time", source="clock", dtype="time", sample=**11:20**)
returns **3:42**
